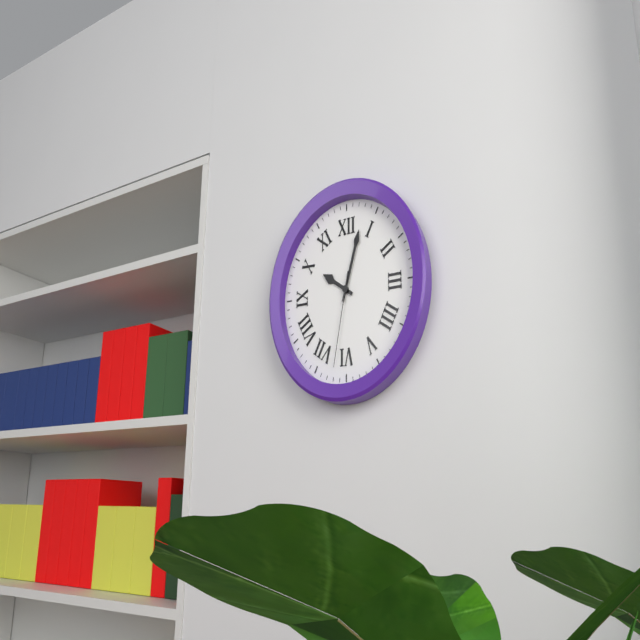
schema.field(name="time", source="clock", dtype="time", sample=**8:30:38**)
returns **10:03:32**
